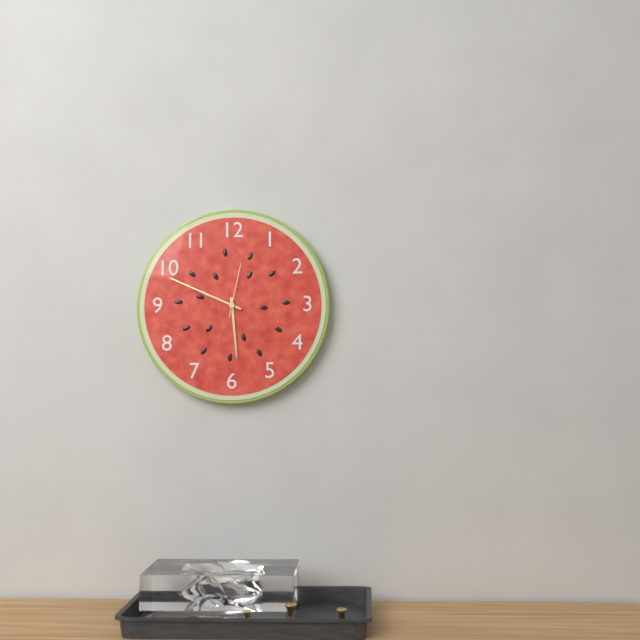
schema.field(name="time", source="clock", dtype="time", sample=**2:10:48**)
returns **5:49:02**
